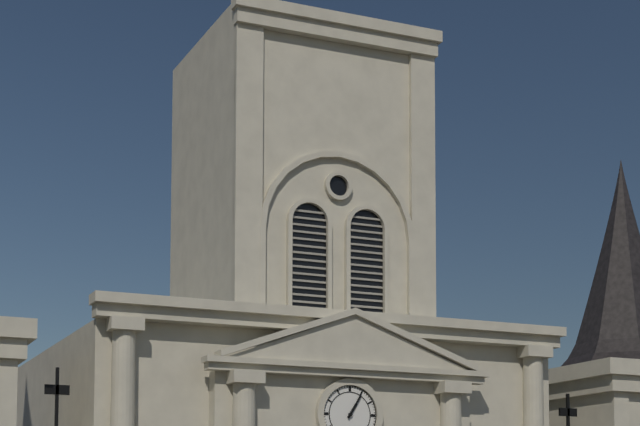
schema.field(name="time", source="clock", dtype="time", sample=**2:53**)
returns **1:05**
